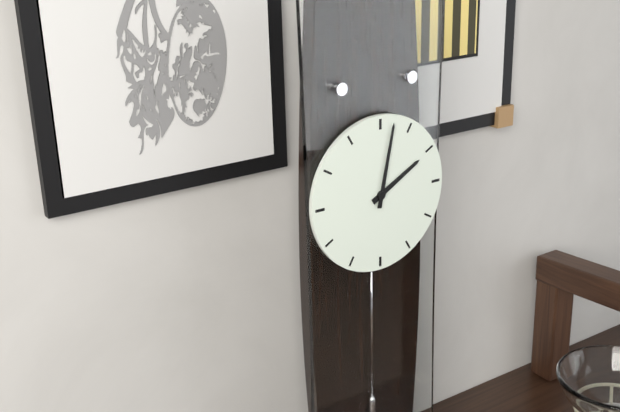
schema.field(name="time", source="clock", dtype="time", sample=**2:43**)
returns **2:02**
